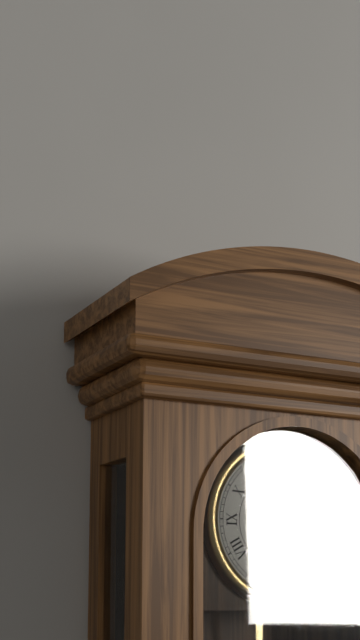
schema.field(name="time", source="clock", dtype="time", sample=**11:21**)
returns **4:59**
